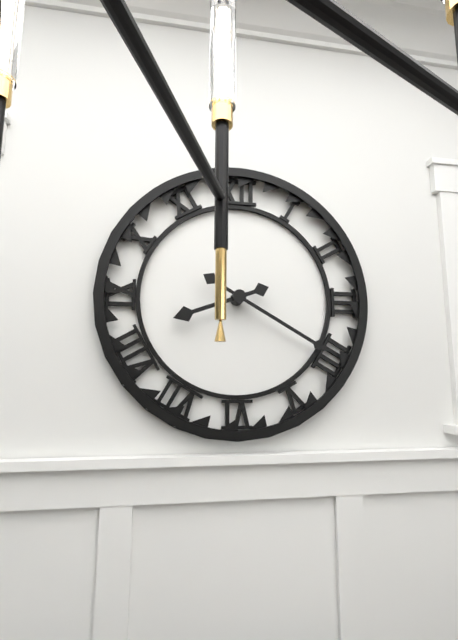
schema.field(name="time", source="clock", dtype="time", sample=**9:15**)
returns **8:20**
